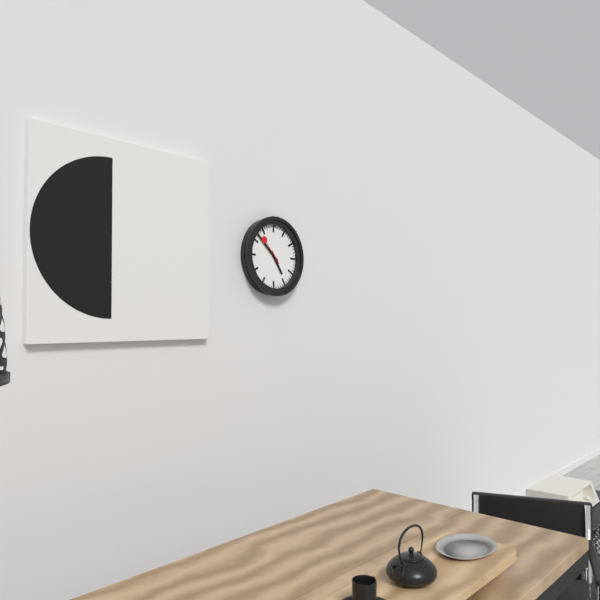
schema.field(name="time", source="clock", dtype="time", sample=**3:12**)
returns **4:52**
